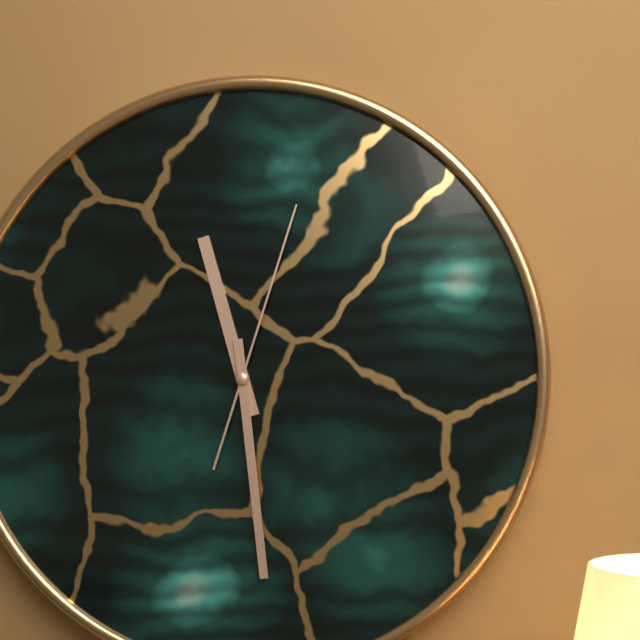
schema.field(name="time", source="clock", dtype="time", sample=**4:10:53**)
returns **11:29:03**
